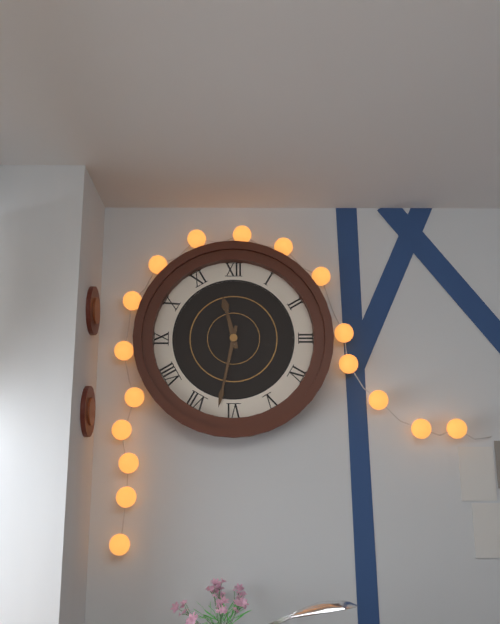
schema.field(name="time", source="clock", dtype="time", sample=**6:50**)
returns **11:32**
